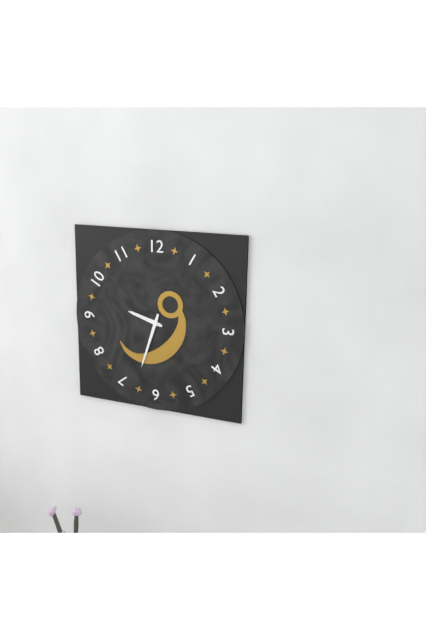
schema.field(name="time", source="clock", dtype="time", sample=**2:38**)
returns **9:33**
